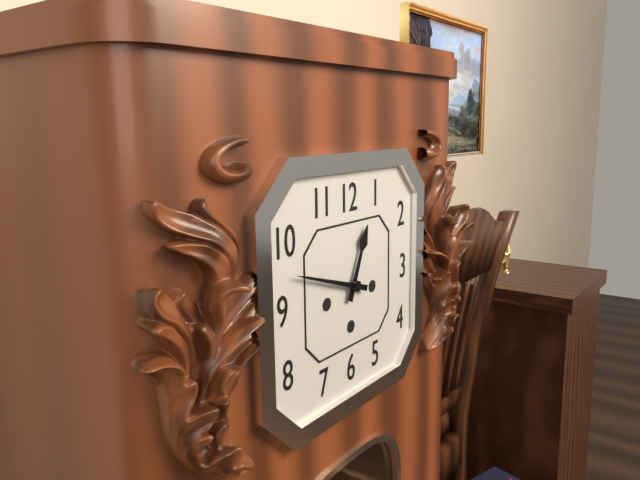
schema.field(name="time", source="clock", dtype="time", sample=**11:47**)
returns **12:48**
